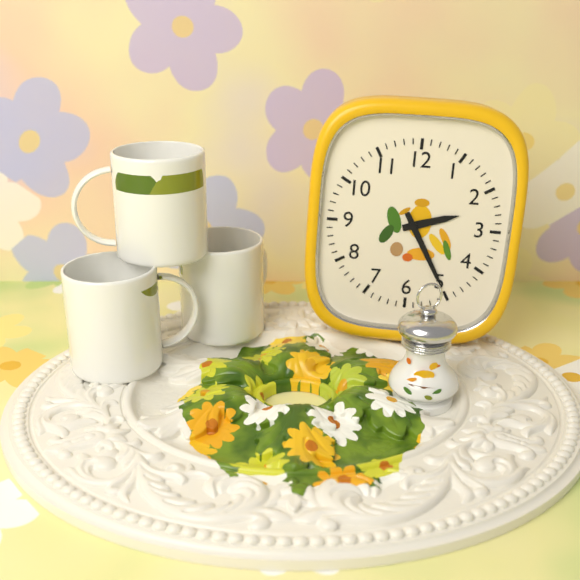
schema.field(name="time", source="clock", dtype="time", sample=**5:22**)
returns **2:25**
